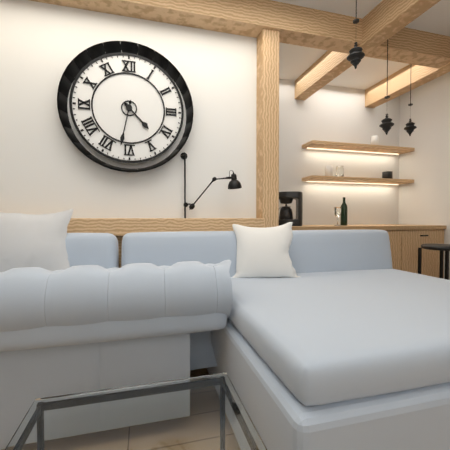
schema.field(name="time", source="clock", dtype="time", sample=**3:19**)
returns **4:32**
